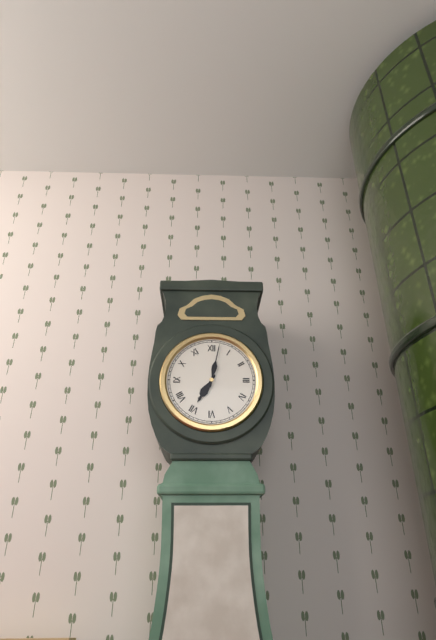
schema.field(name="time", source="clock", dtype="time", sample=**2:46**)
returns **7:02**
